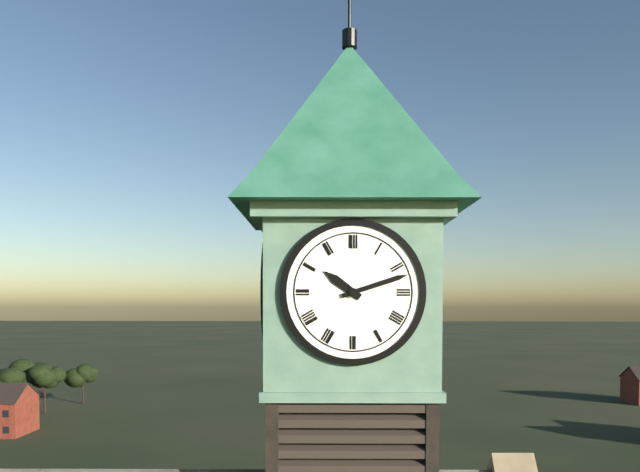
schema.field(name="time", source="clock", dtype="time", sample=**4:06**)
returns **10:12**
